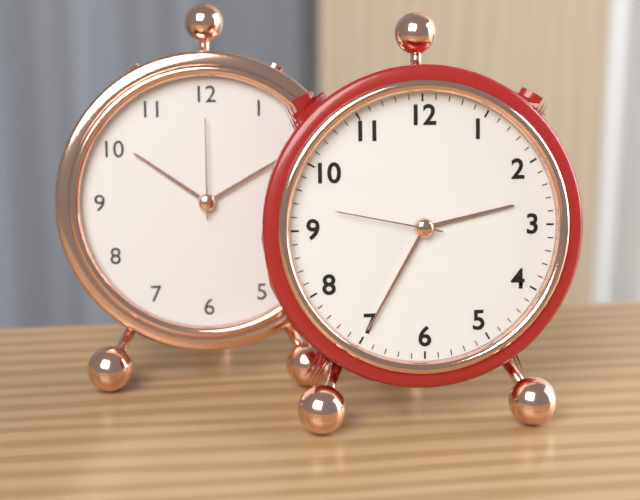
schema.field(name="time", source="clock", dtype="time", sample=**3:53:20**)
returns **2:35:47**
